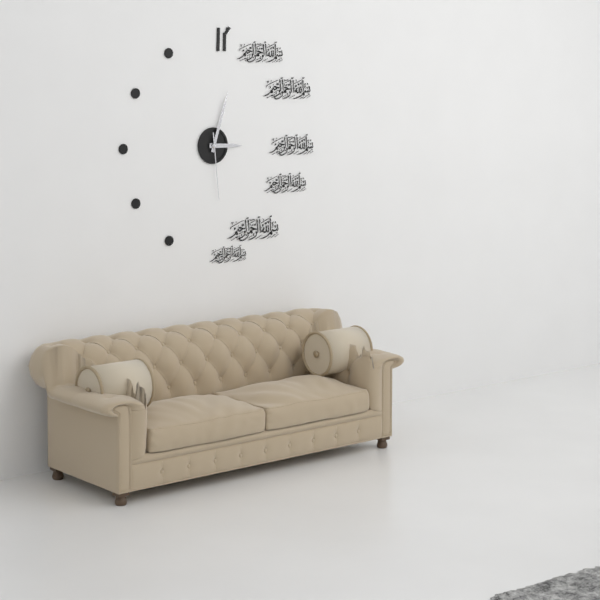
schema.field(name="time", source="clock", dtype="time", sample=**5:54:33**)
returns **3:03:29**
